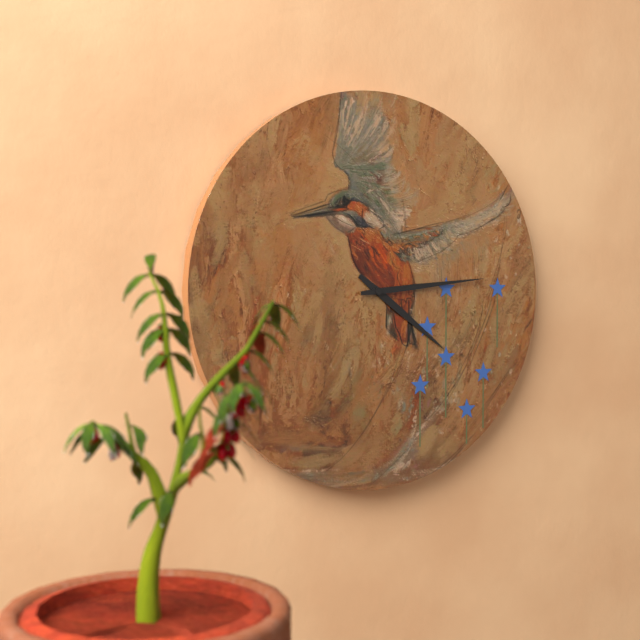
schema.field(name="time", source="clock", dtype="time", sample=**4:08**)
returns **4:14**
